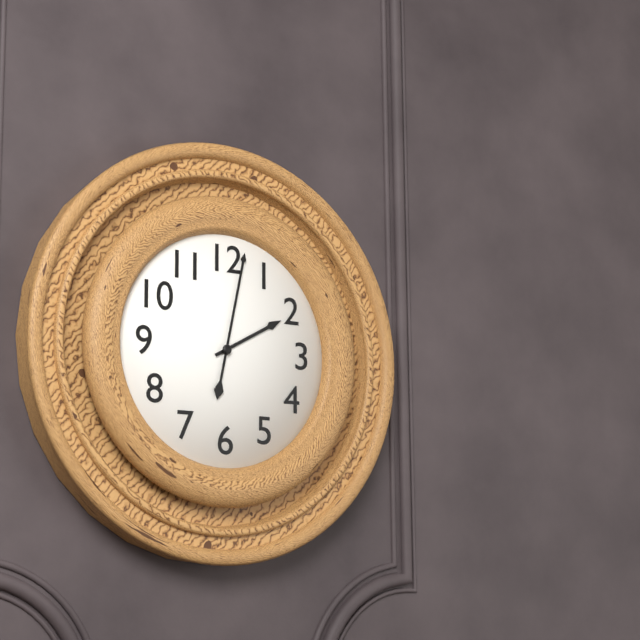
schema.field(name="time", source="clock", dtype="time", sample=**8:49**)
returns **2:02**
